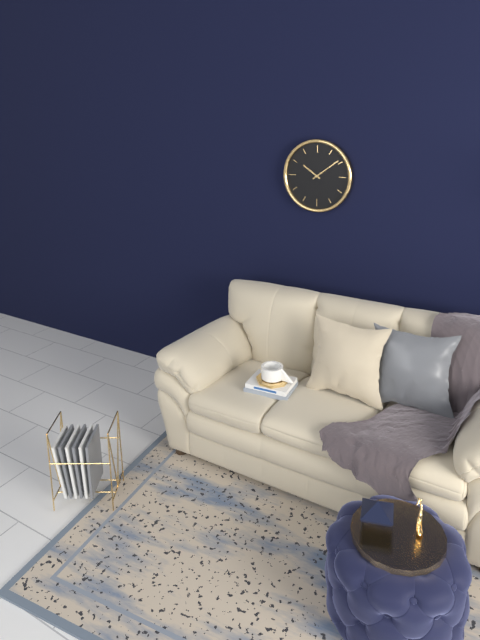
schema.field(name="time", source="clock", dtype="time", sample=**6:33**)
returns **10:09**
